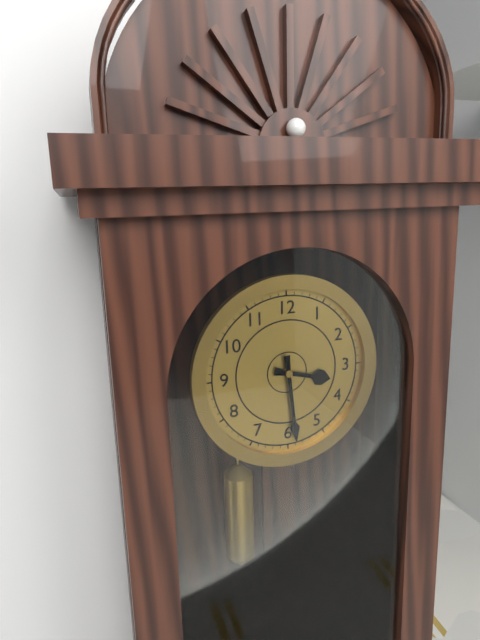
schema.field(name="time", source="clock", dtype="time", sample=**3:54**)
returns **3:29**
